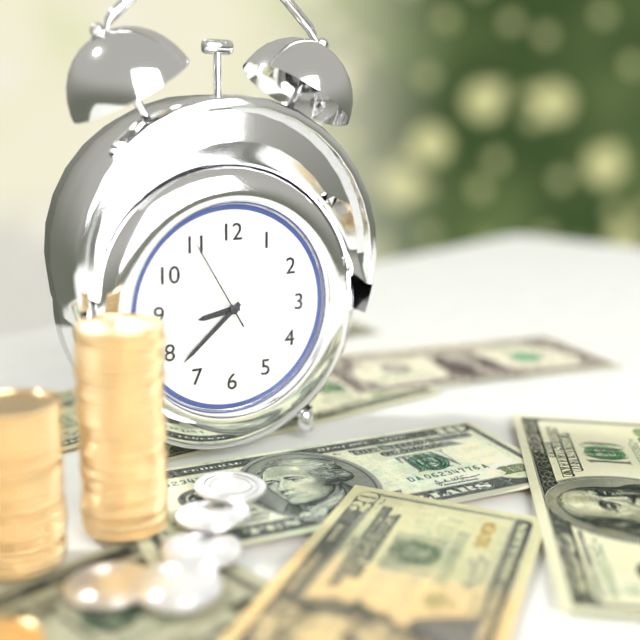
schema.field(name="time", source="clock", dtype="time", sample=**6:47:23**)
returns **8:38:55**
